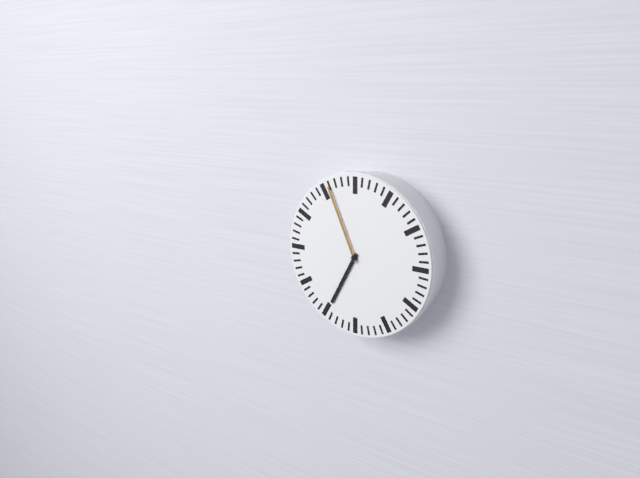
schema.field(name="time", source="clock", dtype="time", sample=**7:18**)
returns **6:56**
